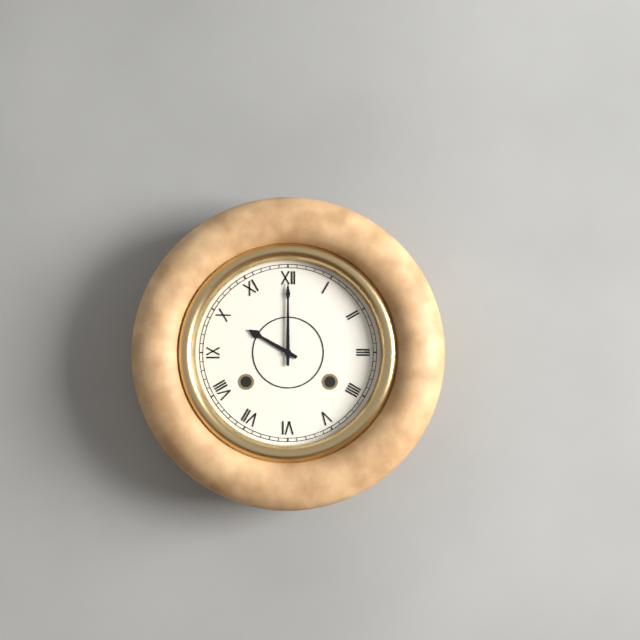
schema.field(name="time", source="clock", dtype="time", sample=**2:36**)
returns **10:00**
